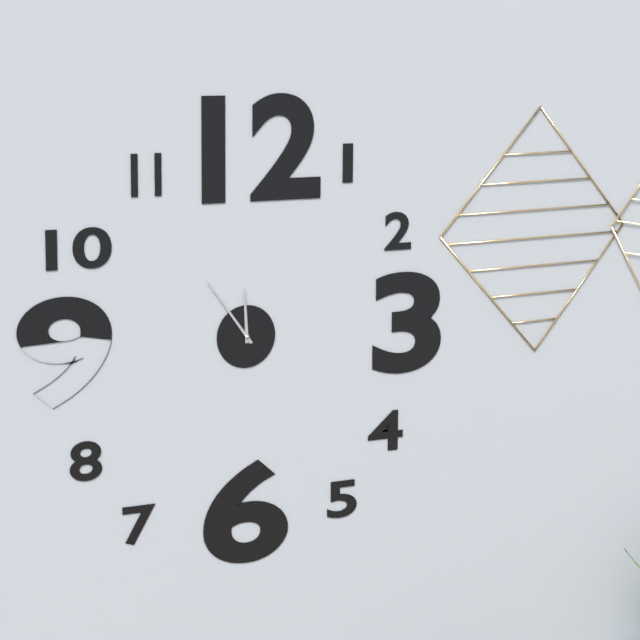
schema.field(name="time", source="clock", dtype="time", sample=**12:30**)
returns **11:54**
